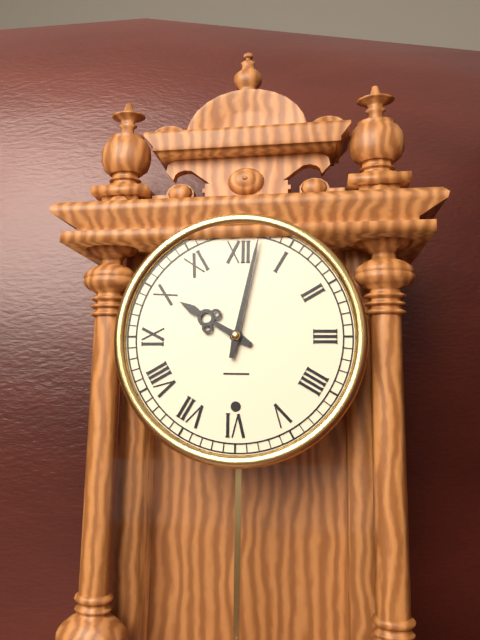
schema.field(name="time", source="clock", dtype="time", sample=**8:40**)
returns **10:02**
